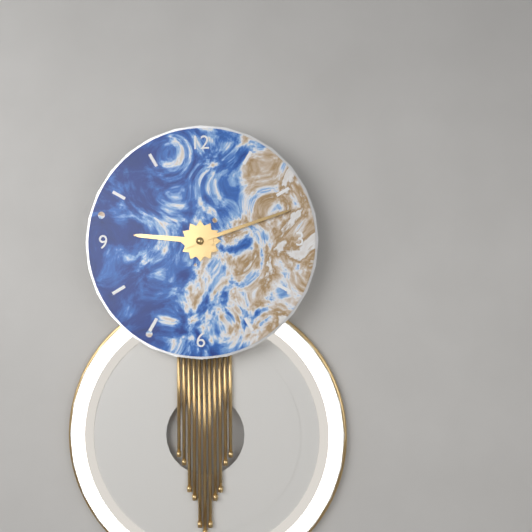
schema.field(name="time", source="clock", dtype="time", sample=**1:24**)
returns **9:12**
